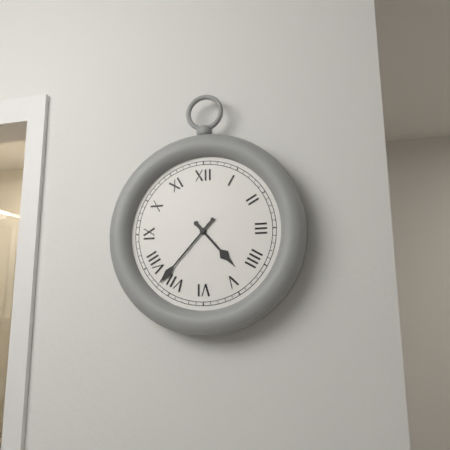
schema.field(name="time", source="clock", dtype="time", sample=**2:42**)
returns **4:37**
